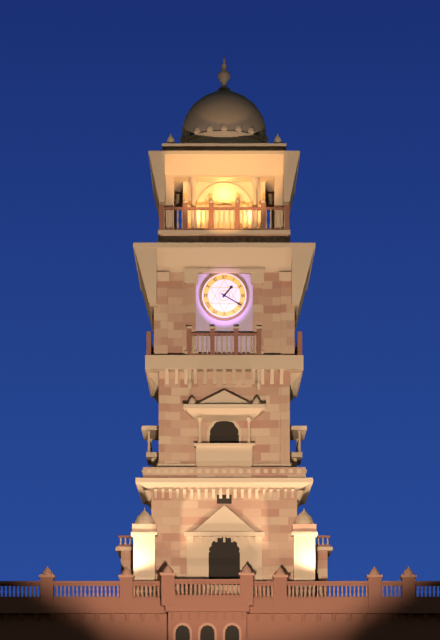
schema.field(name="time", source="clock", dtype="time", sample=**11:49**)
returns **1:20**
